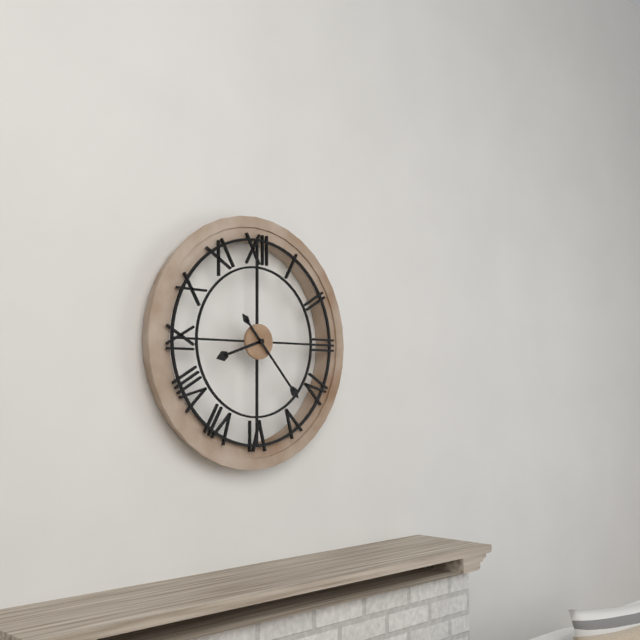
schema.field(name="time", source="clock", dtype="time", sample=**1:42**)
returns **8:23**
